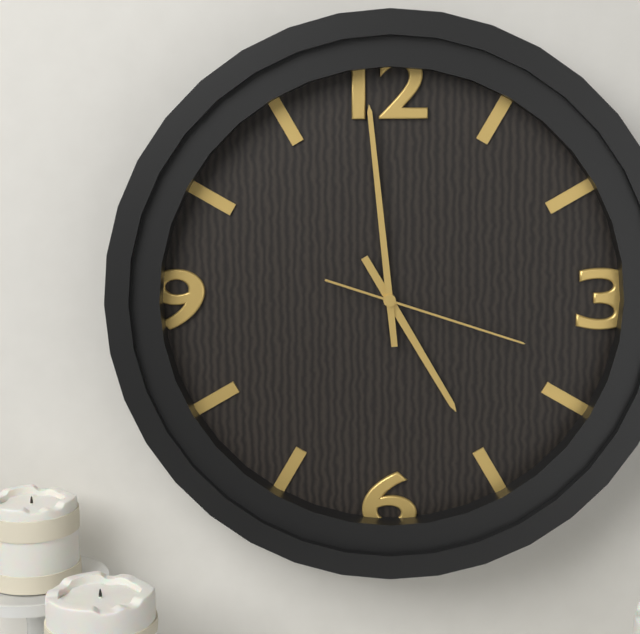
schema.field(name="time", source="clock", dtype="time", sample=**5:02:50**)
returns **4:59:18**
